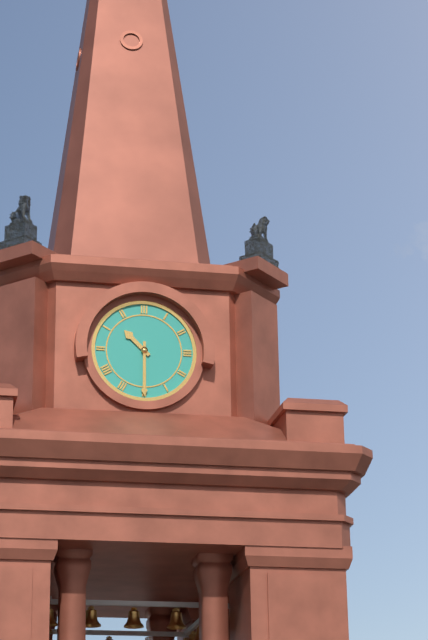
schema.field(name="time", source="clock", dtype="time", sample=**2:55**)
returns **10:30**
